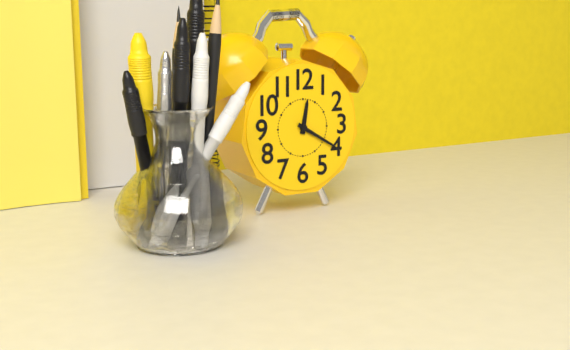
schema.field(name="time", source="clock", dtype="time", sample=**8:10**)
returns **12:20**
